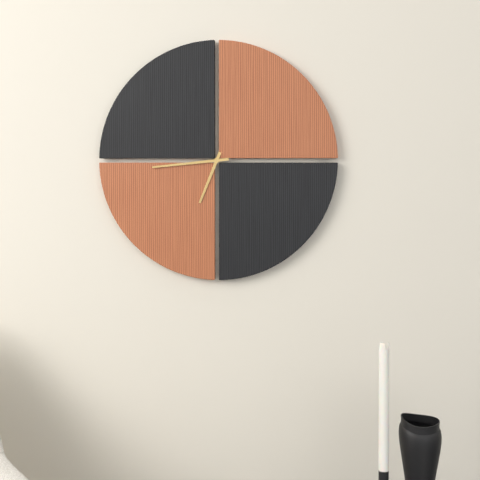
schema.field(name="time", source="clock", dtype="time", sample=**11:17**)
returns **6:44**
